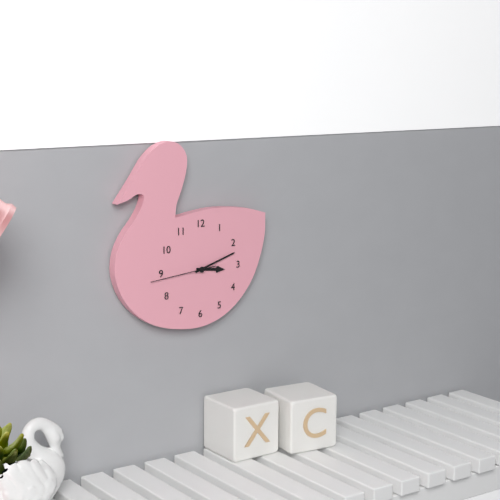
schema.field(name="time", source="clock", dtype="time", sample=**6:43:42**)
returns **3:12:44**
